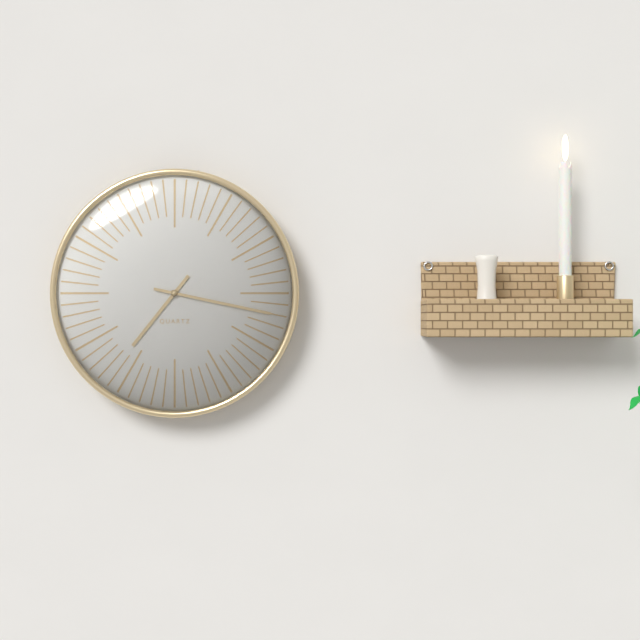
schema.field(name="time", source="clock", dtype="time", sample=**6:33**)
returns **7:17**
